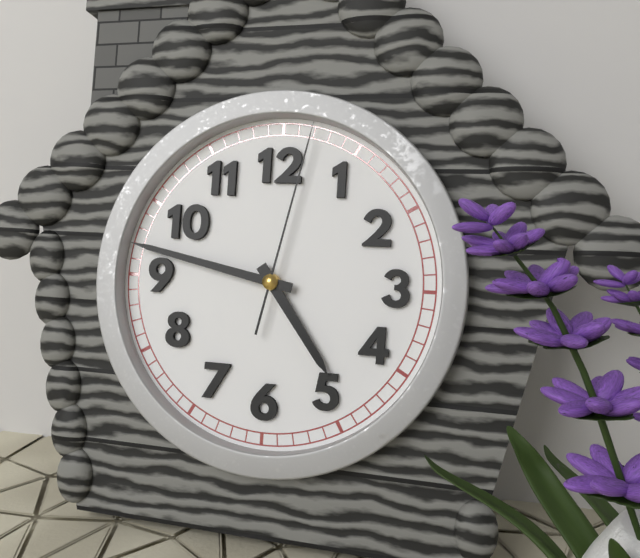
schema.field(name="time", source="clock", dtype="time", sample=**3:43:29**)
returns **4:47:02**
